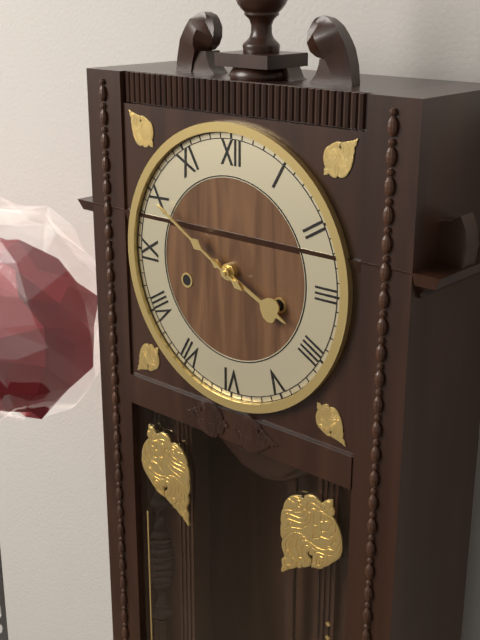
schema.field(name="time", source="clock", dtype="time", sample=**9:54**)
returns **3:50**
